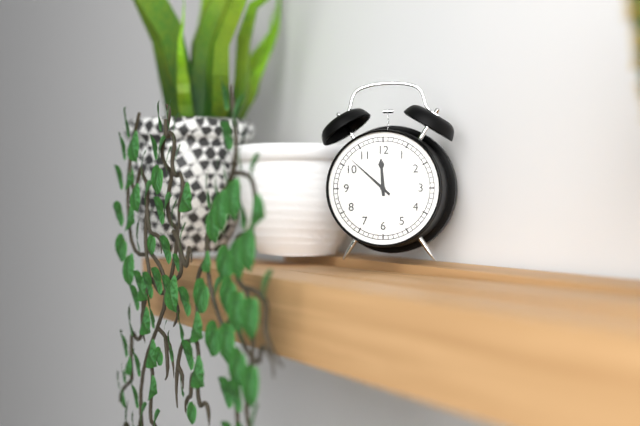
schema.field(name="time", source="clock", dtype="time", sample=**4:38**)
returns **11:52**
